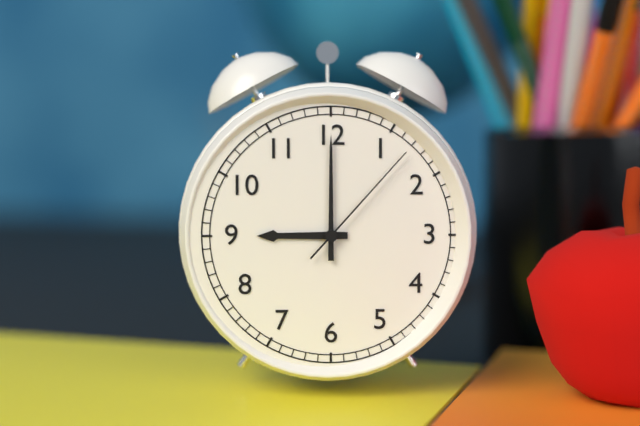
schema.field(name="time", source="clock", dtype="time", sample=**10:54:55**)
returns **9:00:07**
